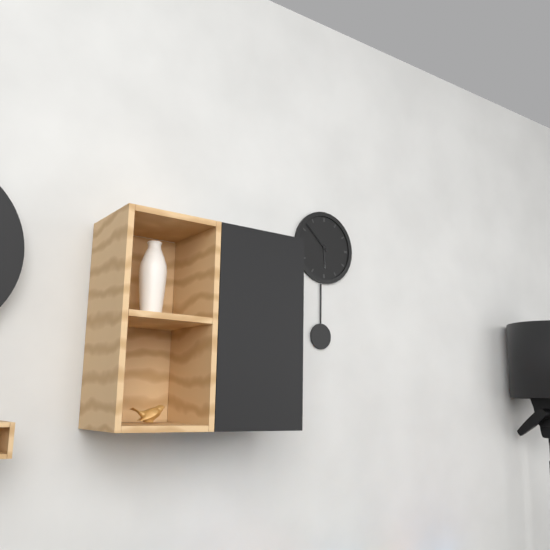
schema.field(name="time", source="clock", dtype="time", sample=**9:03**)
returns **5:52**
